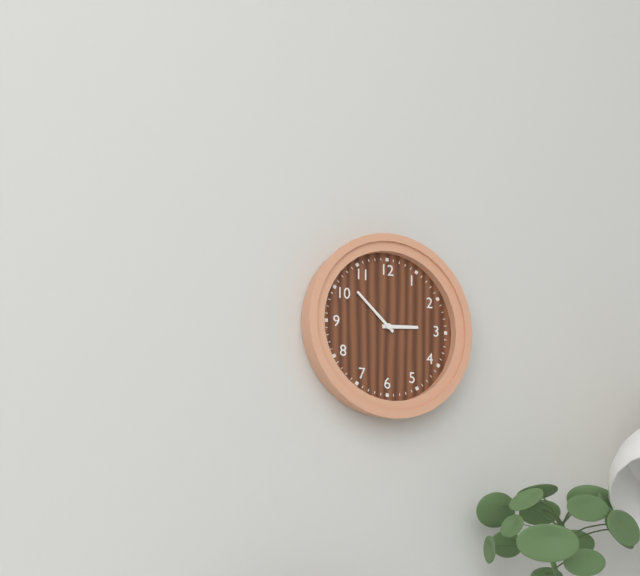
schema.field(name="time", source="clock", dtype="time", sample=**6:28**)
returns **2:52**
